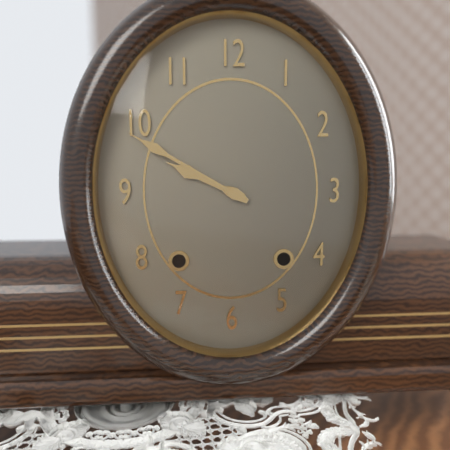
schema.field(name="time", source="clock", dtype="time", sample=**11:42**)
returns **9:50**
